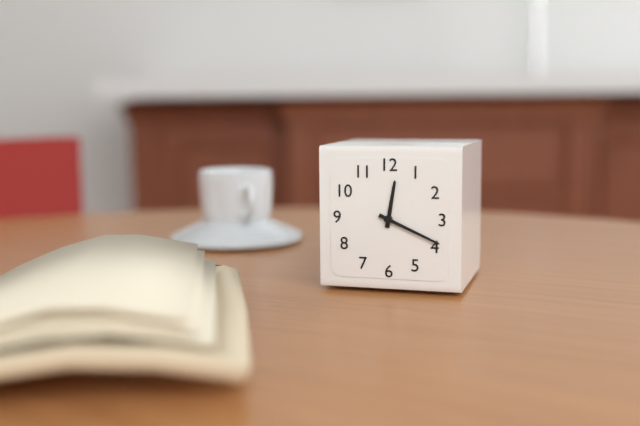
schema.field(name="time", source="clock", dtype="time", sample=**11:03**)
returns **12:19**
